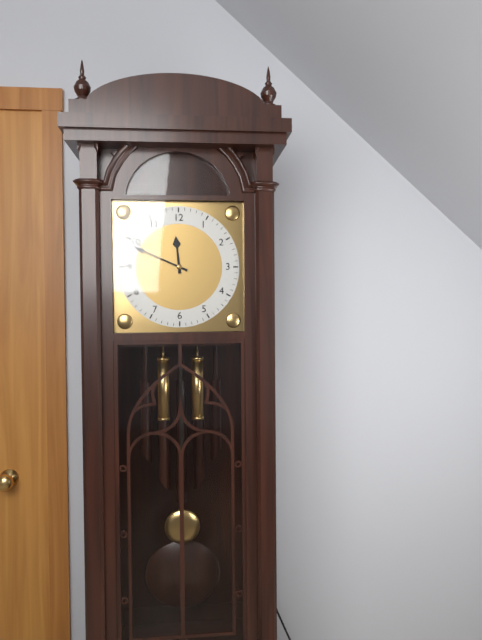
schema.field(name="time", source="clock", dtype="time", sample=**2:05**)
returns **11:49**
